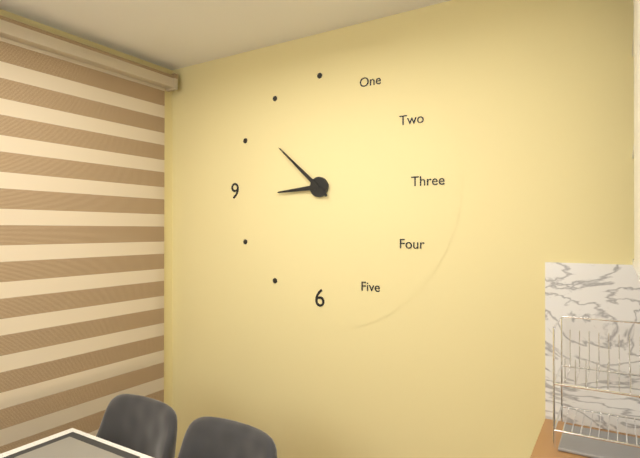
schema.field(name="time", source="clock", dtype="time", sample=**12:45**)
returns **8:52**
